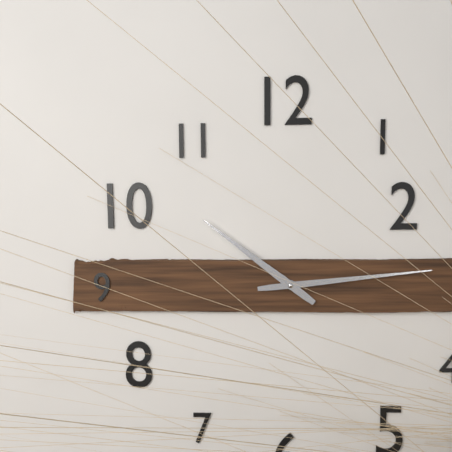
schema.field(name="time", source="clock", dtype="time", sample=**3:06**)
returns **10:14**
